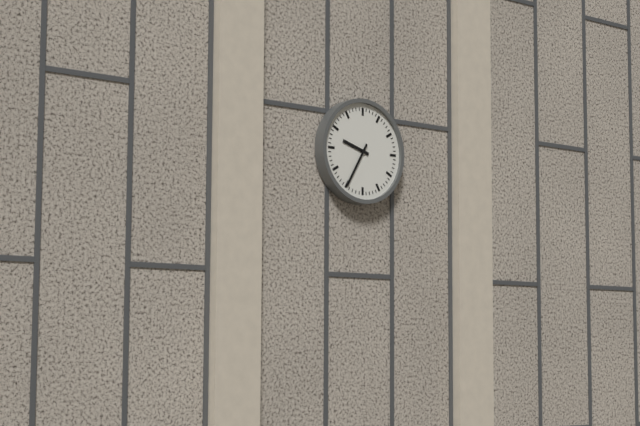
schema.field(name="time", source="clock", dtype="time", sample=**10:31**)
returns **9:35**
